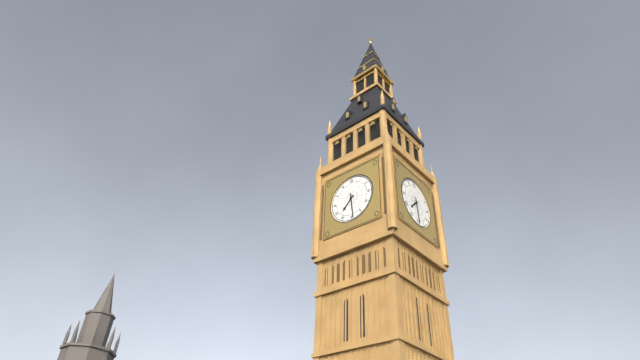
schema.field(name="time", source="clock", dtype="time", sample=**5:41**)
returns **7:29**
